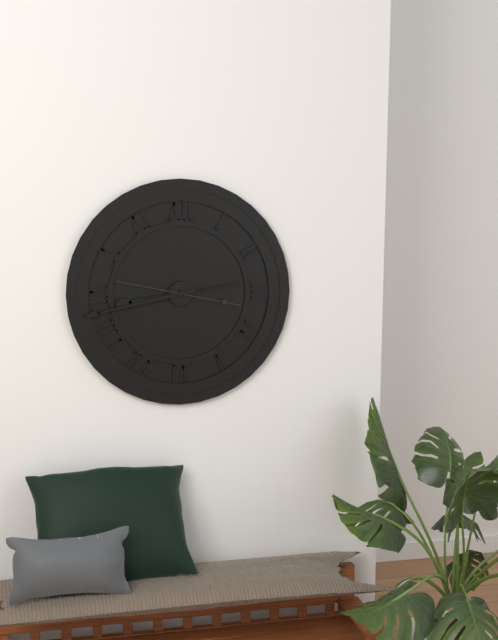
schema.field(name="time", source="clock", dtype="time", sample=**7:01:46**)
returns **8:43:47**
